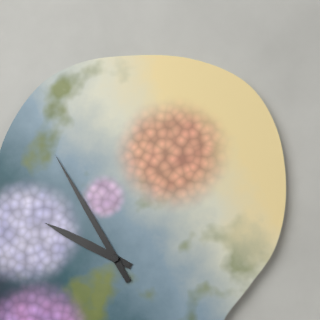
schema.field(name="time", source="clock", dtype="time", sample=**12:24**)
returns **9:55**
